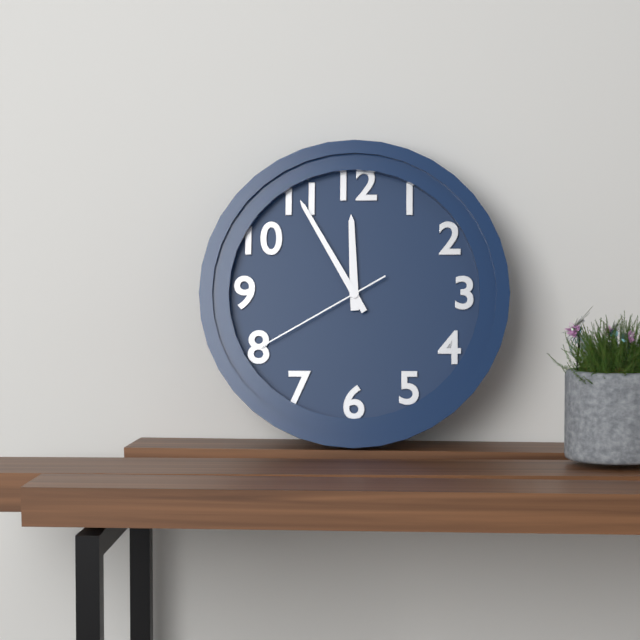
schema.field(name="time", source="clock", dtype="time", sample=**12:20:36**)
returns **11:55:40**
